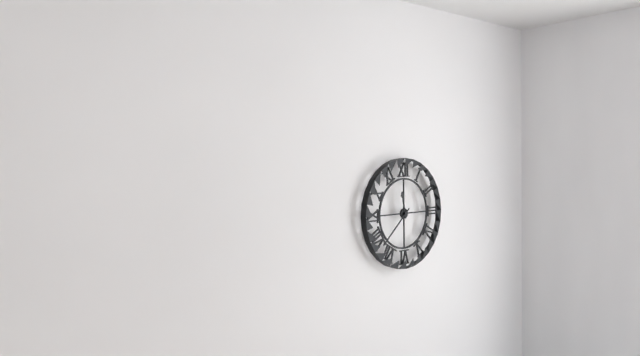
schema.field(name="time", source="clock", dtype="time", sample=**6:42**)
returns **11:38**
